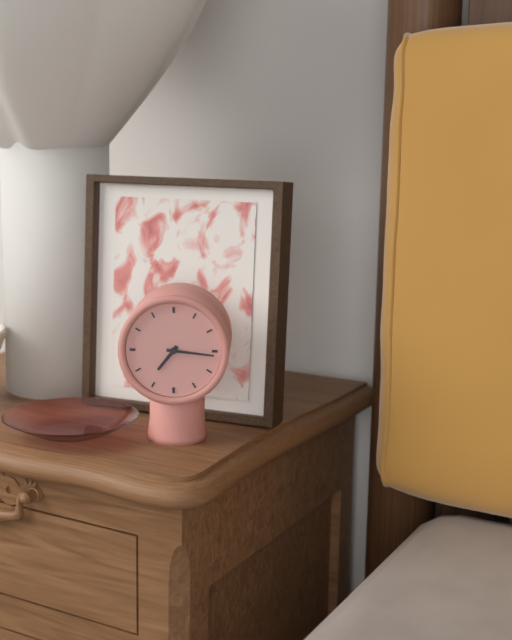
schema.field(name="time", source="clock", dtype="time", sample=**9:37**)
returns **7:16**
